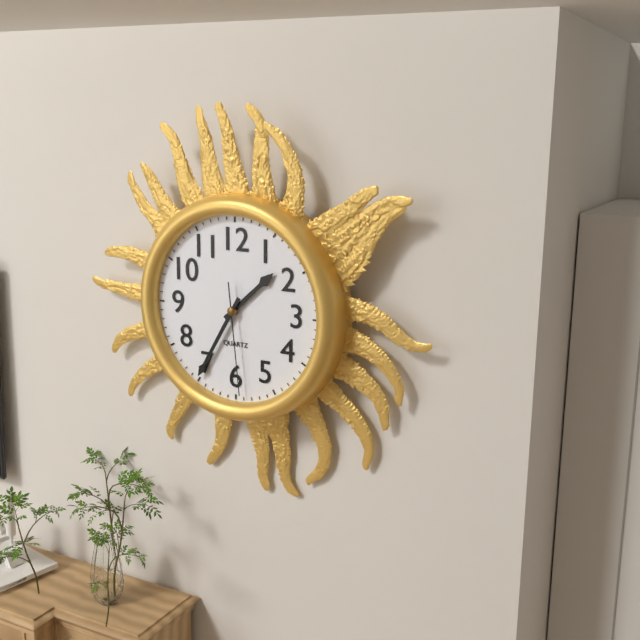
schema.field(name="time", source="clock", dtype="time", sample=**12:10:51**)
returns **1:35:29**
